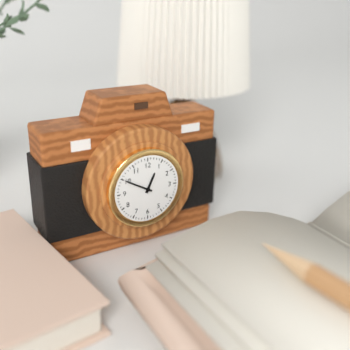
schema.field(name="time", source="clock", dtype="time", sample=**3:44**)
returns **12:50**
